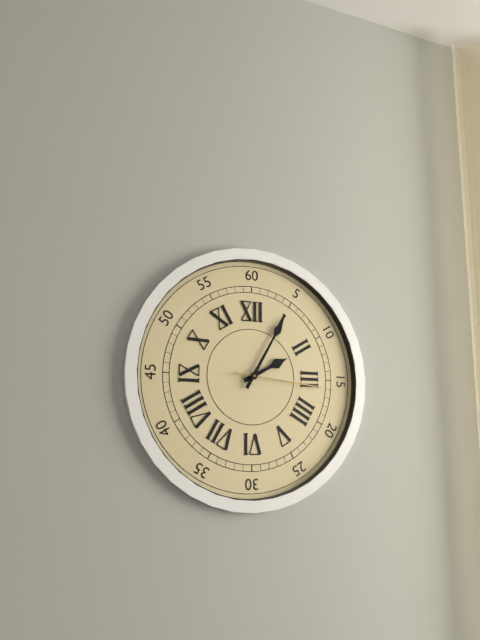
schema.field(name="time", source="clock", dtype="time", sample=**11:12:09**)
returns **2:05:16**
